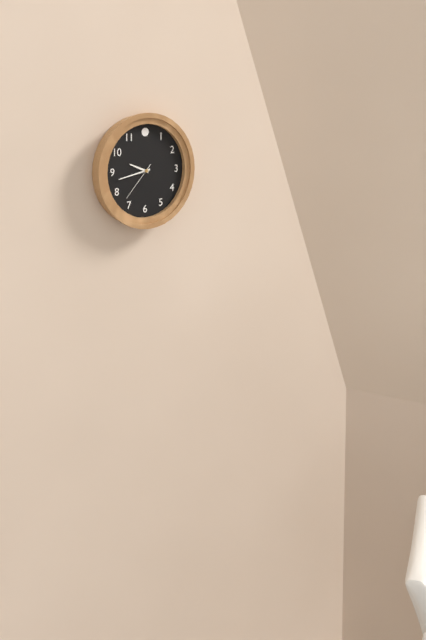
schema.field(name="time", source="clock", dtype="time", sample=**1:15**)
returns **9:43**
